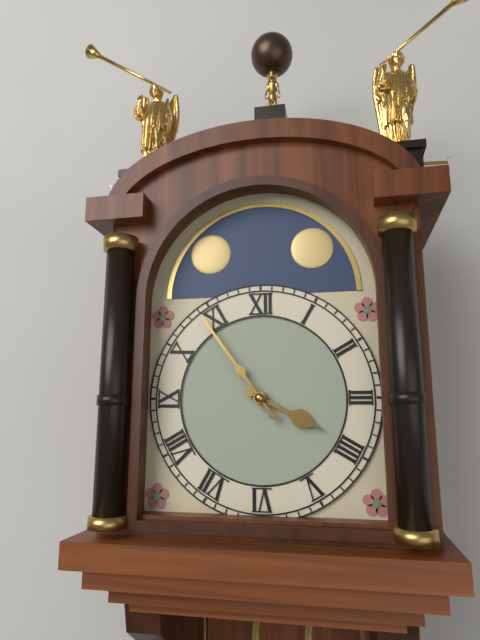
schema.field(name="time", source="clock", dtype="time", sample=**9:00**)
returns **3:54**
